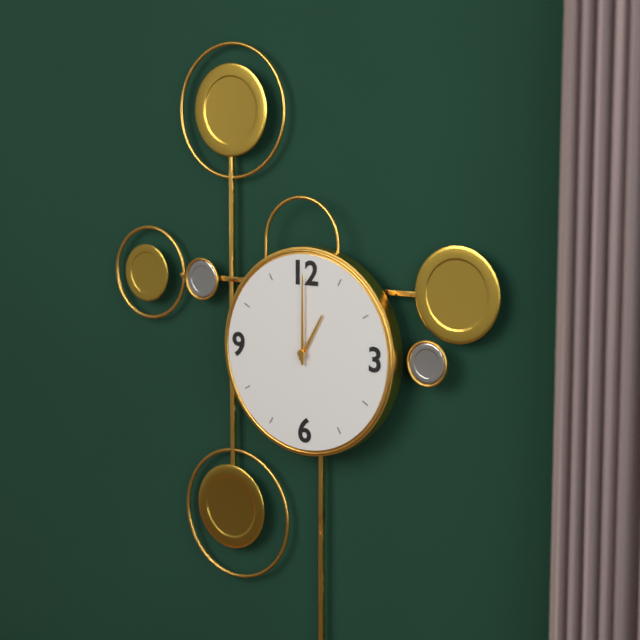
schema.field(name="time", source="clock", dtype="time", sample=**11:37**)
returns **1:00**
